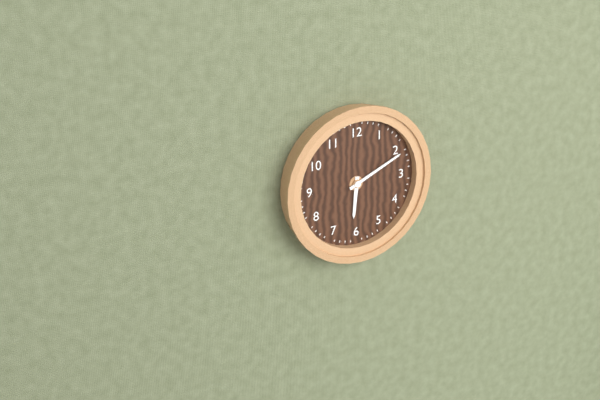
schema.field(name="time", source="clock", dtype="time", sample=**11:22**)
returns **6:11**
